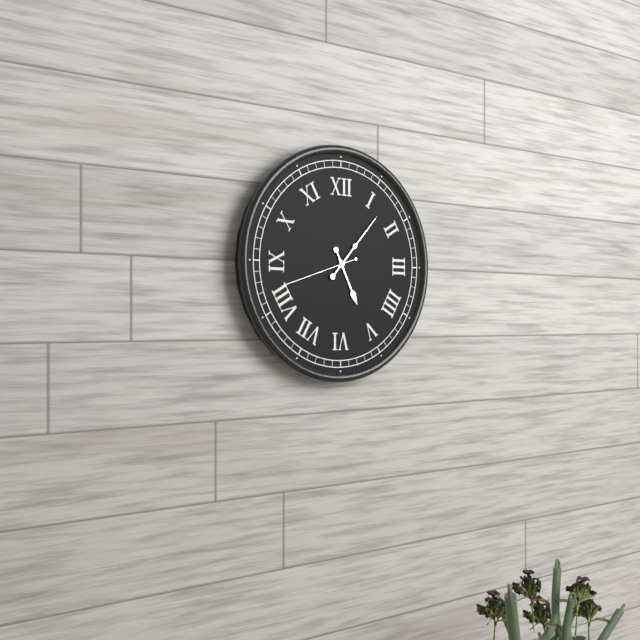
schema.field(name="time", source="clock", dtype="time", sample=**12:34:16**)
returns **5:07:42**
